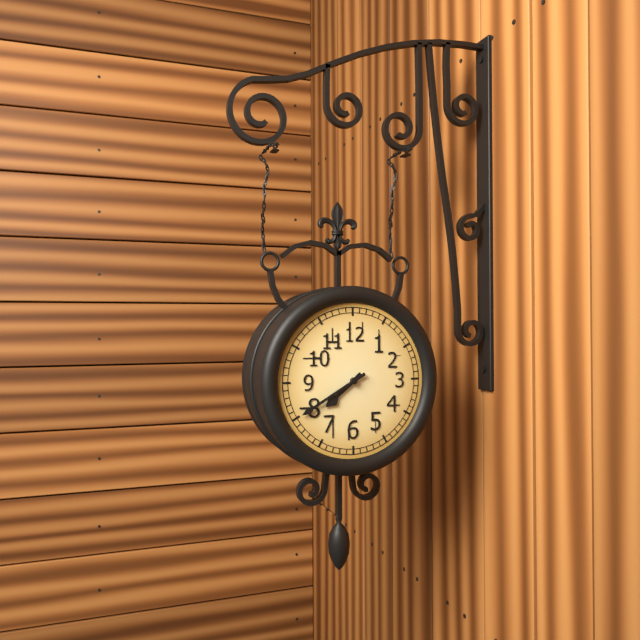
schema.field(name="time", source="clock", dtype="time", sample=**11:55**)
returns **7:40**
